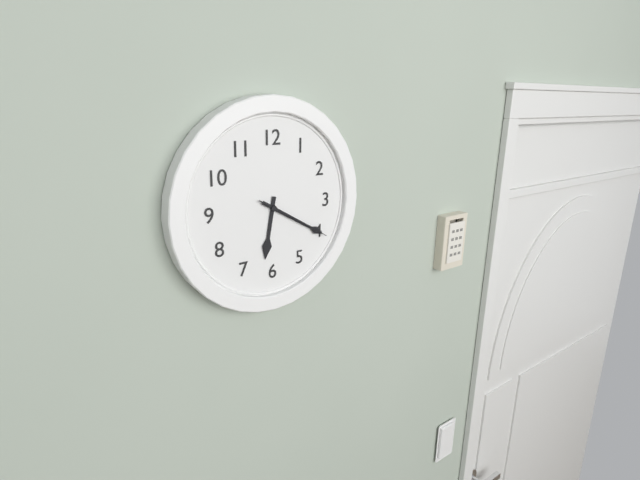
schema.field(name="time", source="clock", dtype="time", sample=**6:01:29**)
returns **6:20:20**
